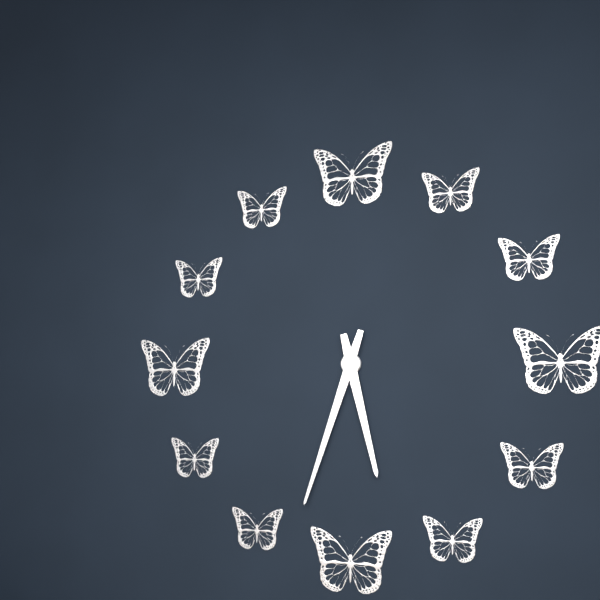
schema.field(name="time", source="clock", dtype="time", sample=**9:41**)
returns **5:33**
